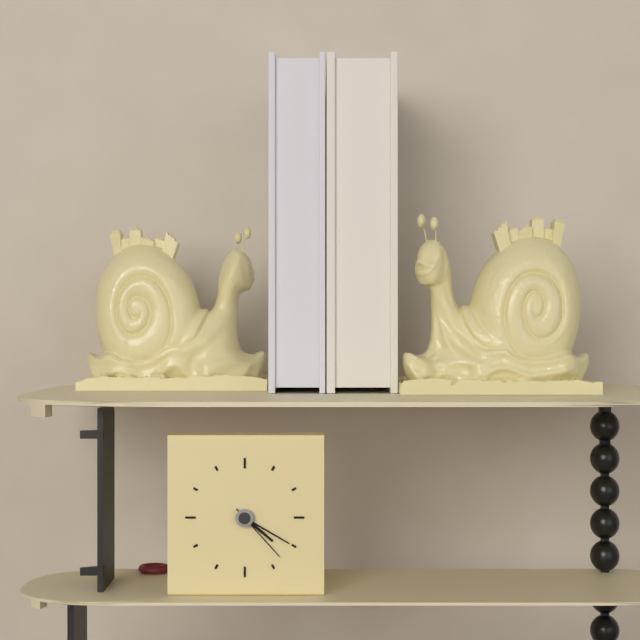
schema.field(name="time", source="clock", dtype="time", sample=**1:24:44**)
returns **4:20:23**
